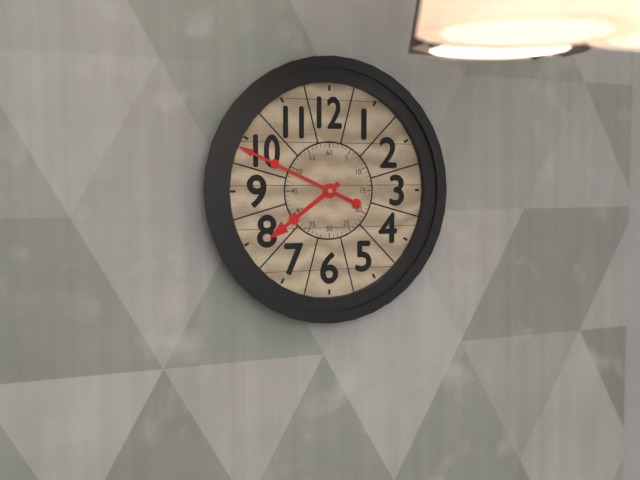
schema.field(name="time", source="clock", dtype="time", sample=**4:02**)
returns **7:49**
